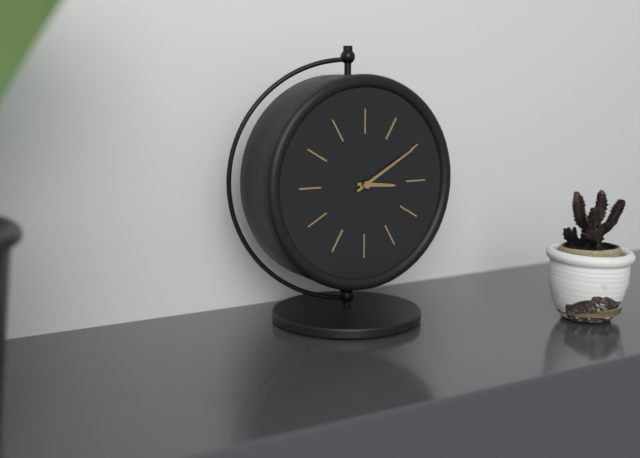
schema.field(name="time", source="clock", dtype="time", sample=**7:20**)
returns **3:10**
